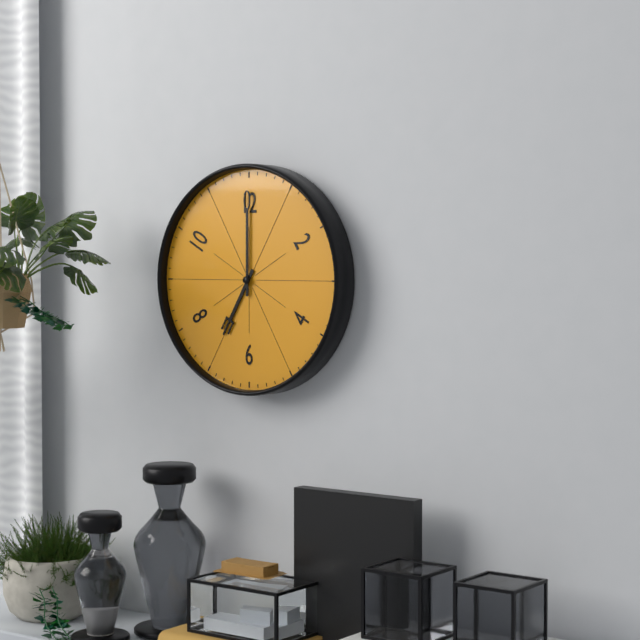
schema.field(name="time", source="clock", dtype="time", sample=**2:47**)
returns **7:00**
